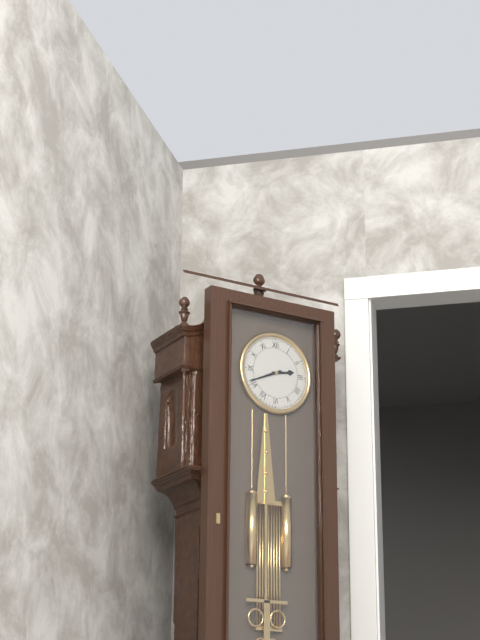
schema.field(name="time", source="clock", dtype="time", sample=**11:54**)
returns **2:41**
